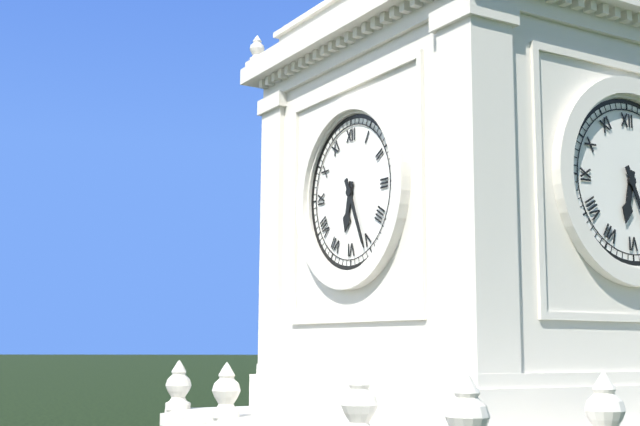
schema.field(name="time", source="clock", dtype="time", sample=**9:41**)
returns **6:26**
